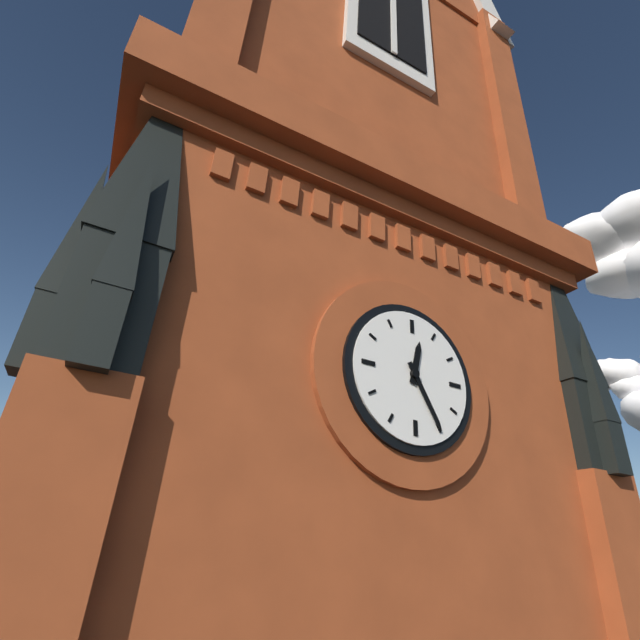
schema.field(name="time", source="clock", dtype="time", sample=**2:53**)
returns **12:25**
